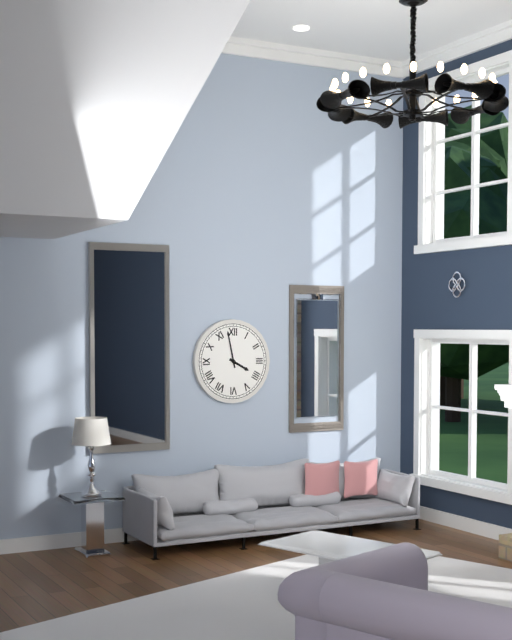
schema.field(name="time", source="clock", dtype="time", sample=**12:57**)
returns **3:58**
